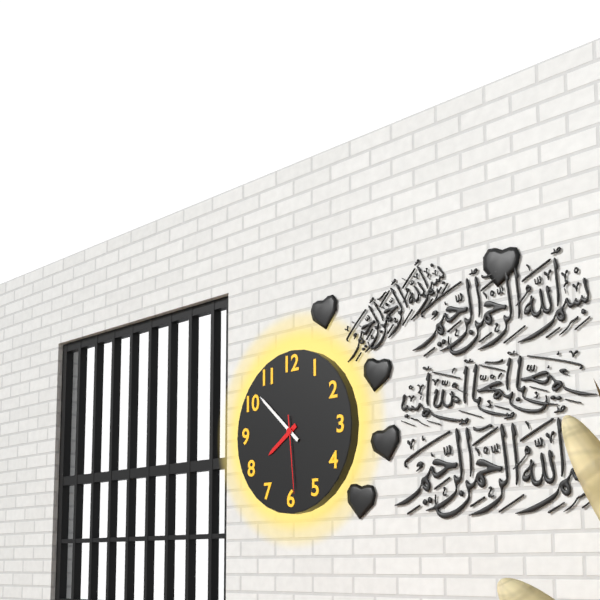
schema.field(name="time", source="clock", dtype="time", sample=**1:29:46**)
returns **7:52:29**
